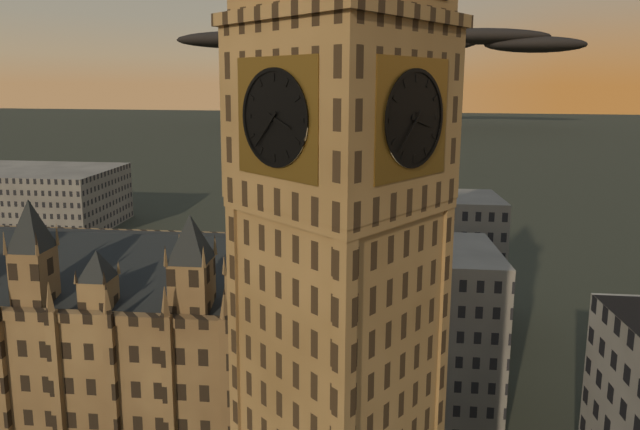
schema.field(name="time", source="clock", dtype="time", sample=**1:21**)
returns **3:37**
